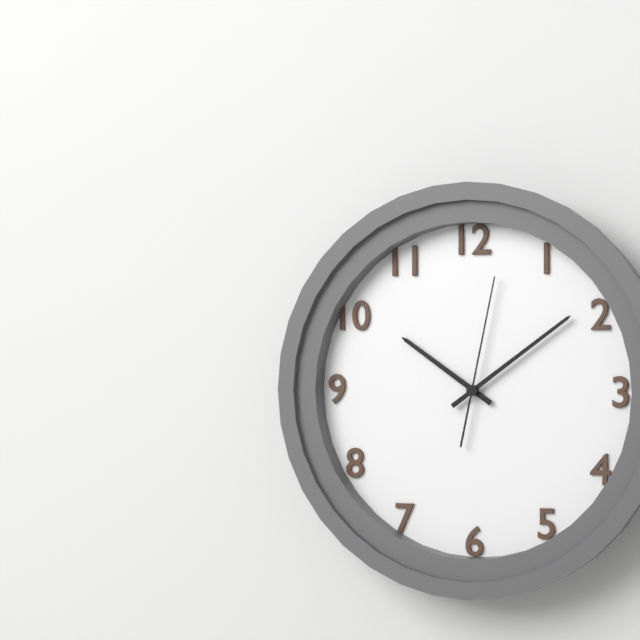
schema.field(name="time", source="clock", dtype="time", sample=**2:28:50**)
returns **10:09:02**
